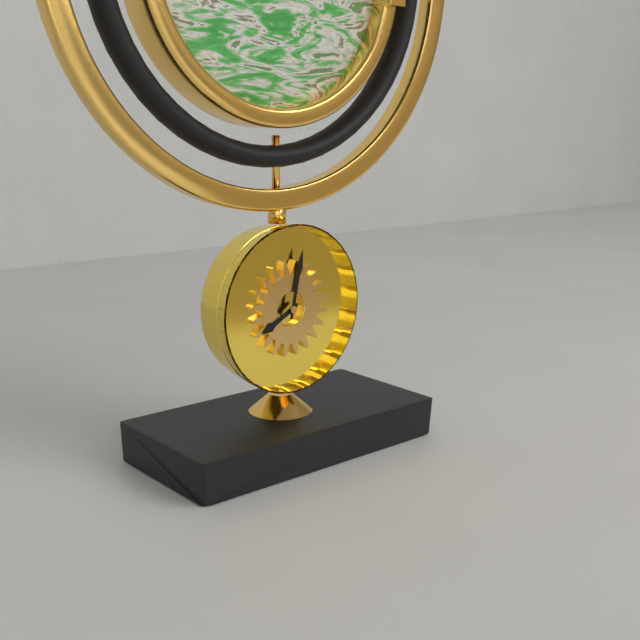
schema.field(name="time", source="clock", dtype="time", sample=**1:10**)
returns **8:02**
